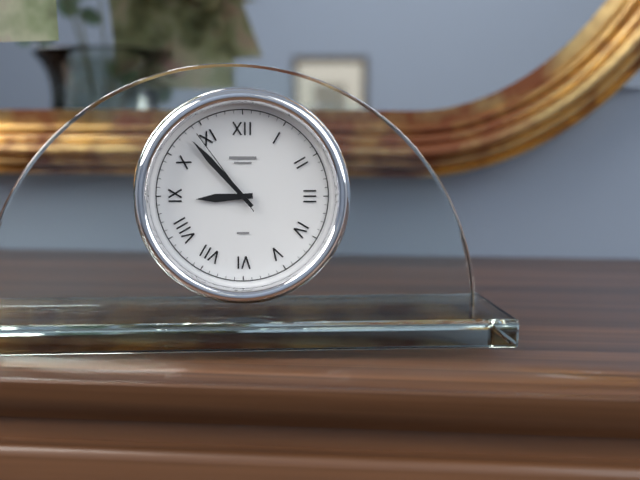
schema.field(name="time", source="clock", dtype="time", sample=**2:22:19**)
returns **8:53:54**
